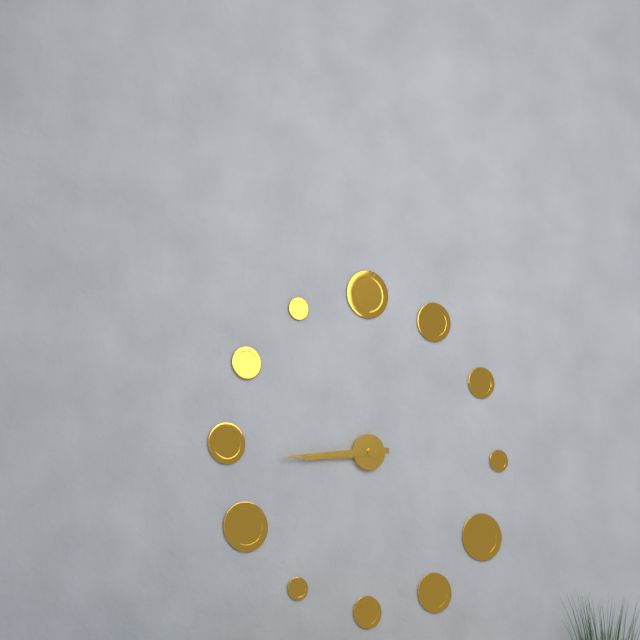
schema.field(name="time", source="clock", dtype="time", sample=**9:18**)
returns **8:44**
